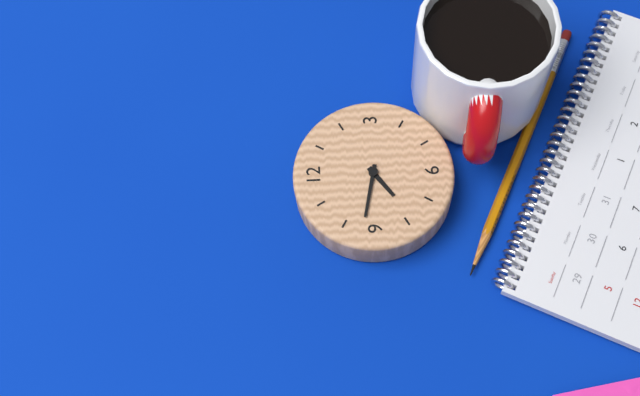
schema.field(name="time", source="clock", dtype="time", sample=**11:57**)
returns **7:47**
